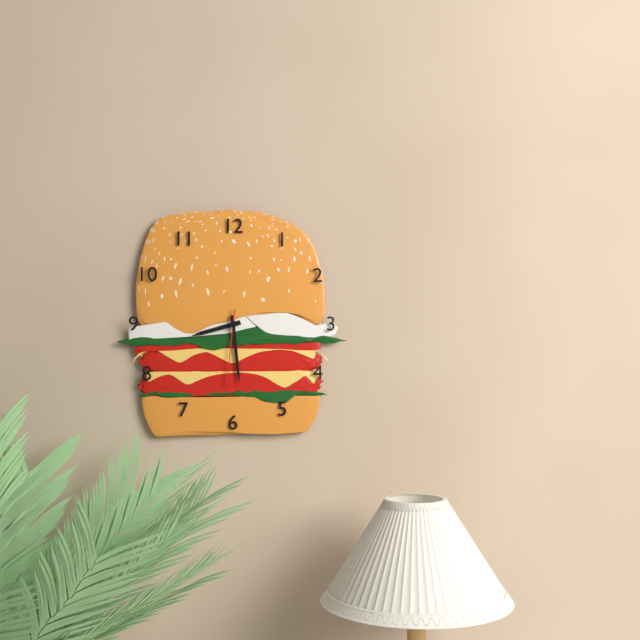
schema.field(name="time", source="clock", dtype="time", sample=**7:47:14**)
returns **8:29:31**
